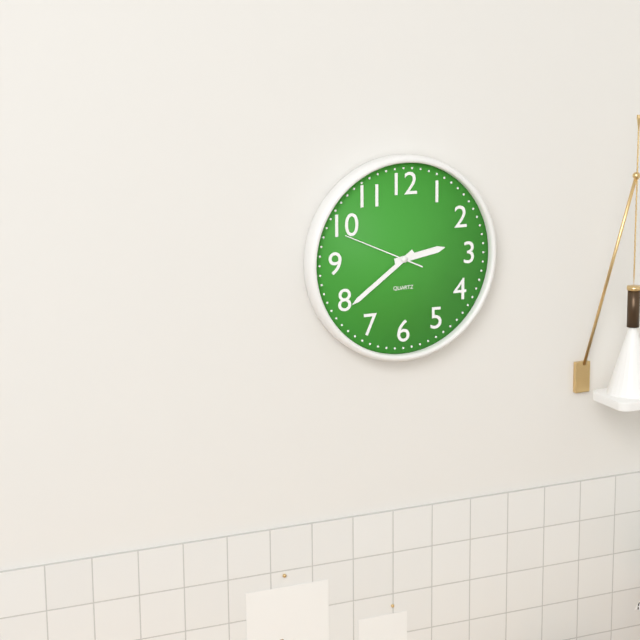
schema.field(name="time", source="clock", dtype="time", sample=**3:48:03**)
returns **2:39:49**
